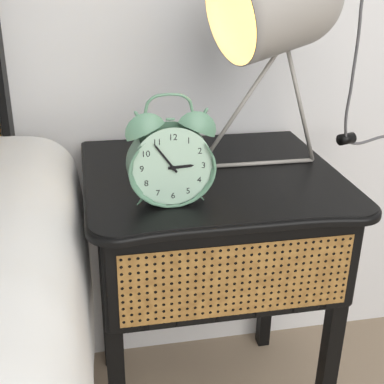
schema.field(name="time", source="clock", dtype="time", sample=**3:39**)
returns **2:54**
